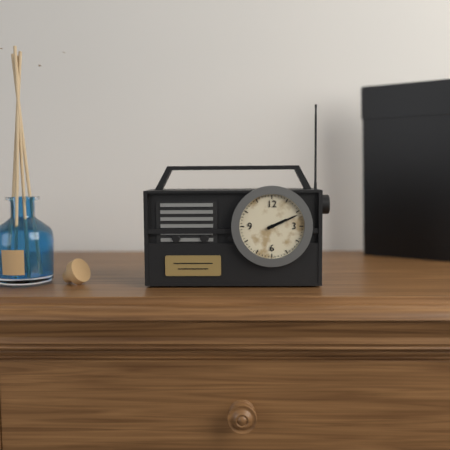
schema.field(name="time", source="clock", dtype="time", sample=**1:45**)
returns **2:11**
